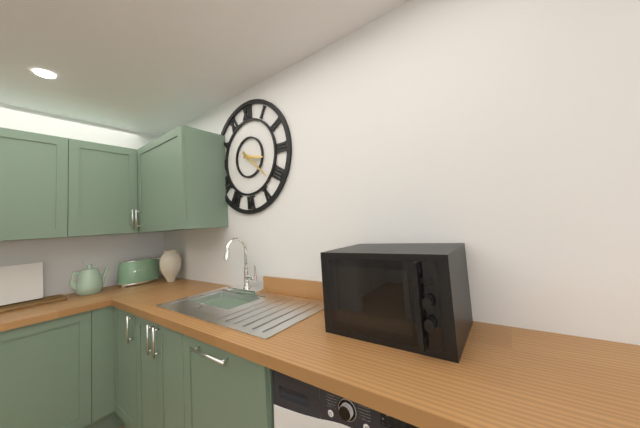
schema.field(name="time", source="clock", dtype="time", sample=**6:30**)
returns **3:22**
